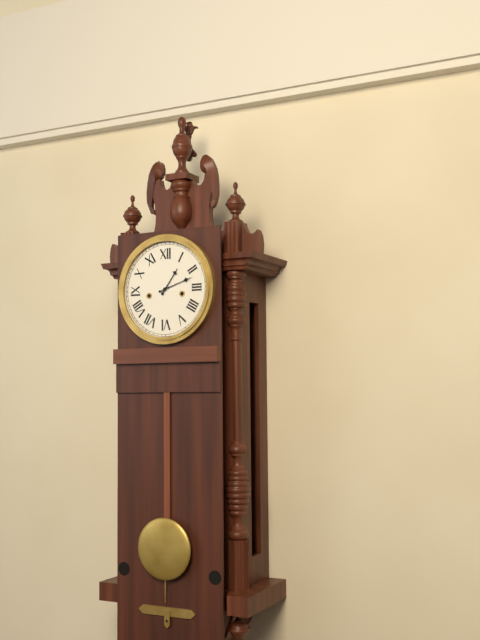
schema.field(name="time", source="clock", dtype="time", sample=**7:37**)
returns **1:12**
